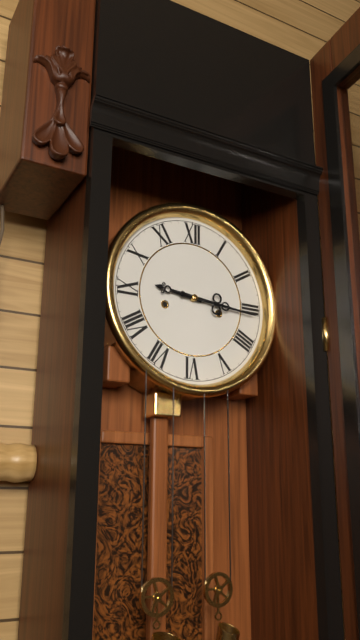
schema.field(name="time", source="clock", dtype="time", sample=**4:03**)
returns **9:16**
